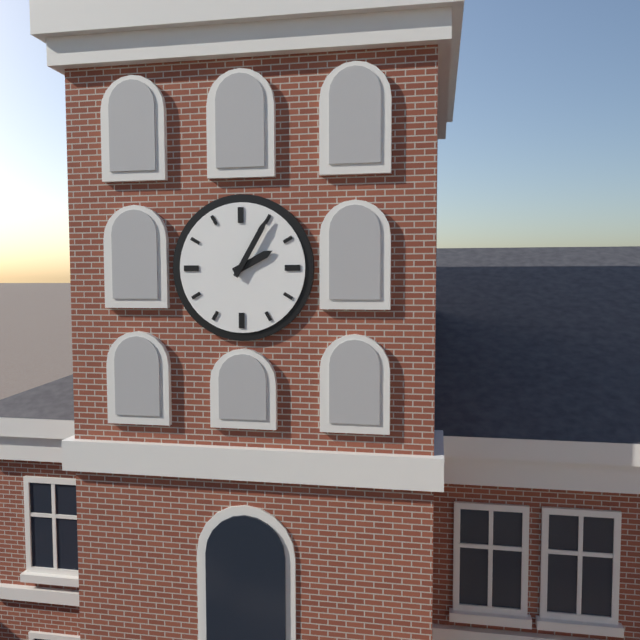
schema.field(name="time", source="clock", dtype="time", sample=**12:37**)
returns **2:05**
